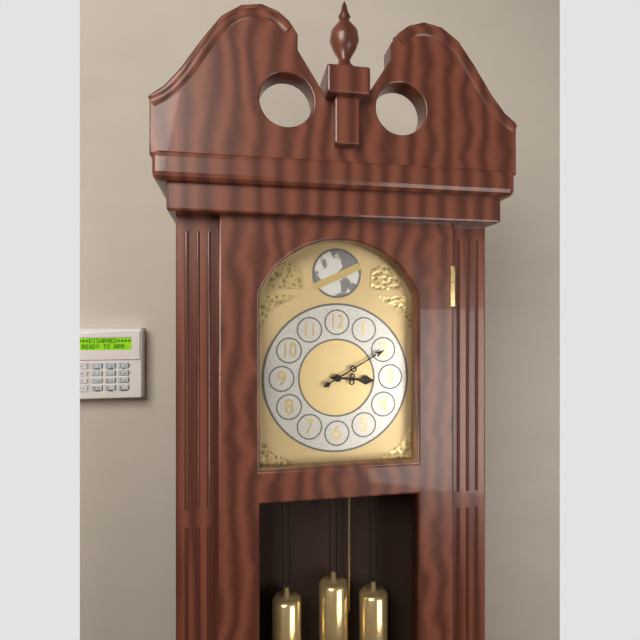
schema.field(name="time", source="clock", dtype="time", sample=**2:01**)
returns **3:10**
